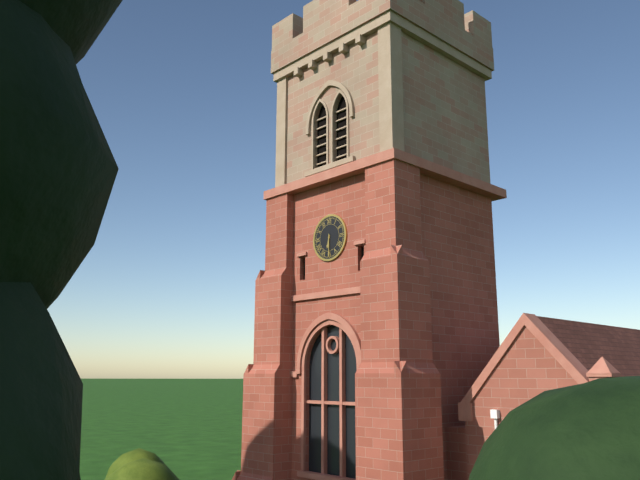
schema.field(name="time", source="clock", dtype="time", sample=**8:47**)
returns **6:30**
